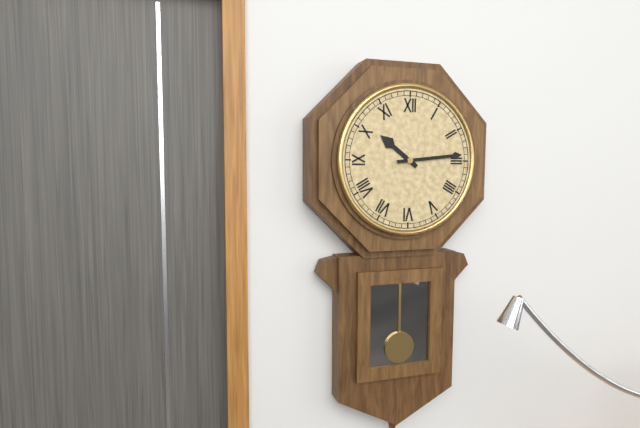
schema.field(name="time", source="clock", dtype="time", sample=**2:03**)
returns **10:14**
